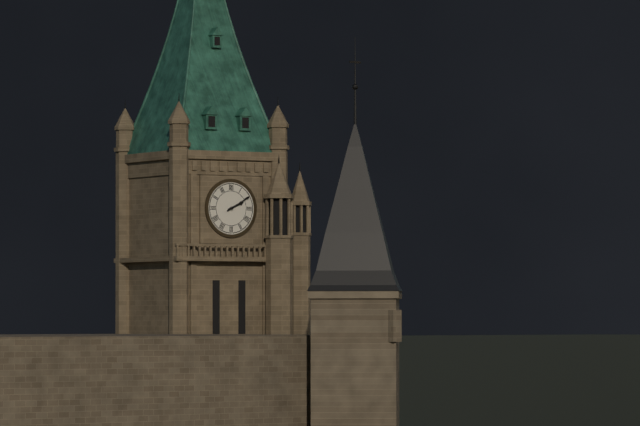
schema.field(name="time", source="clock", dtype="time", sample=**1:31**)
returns **2:10**
